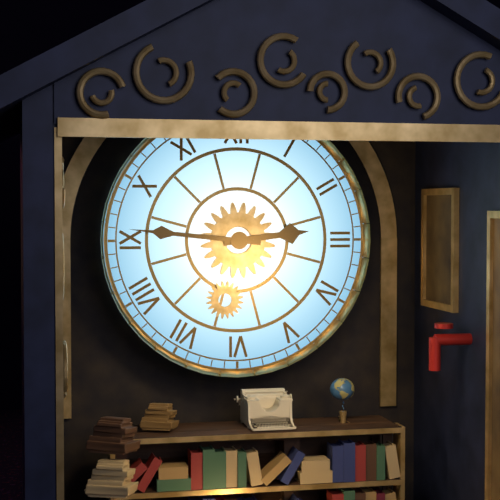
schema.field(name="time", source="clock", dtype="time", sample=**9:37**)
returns **2:46**
